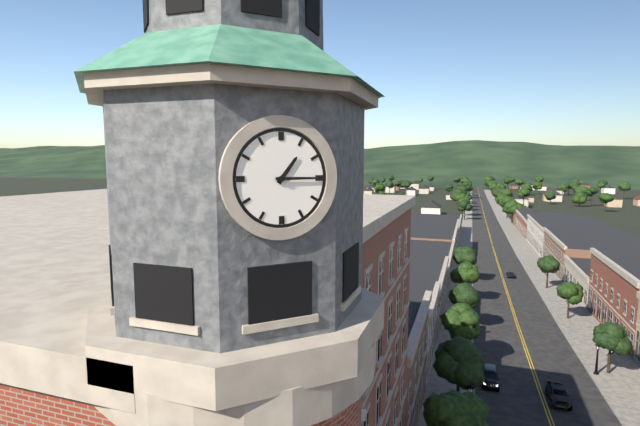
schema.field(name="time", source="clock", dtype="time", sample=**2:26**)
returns **1:15**
